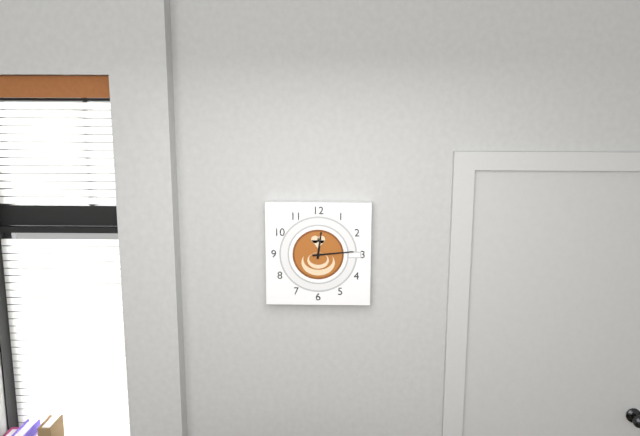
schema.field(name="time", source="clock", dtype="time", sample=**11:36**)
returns **12:14**
